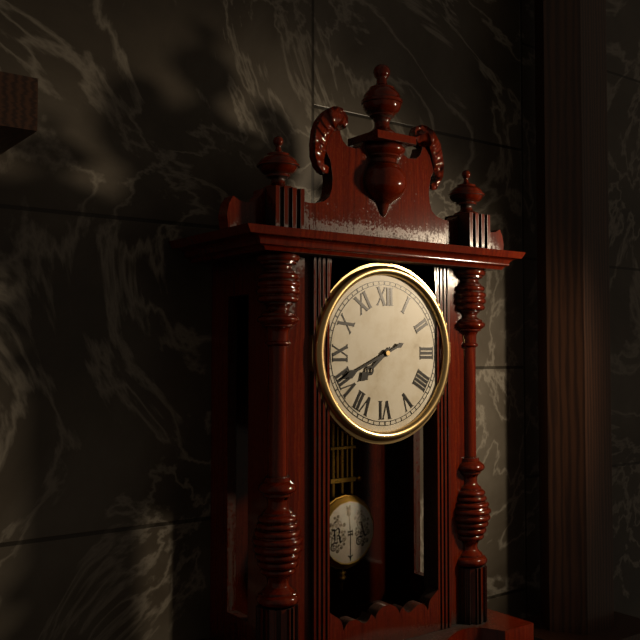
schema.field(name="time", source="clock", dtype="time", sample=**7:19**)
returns **7:41**
